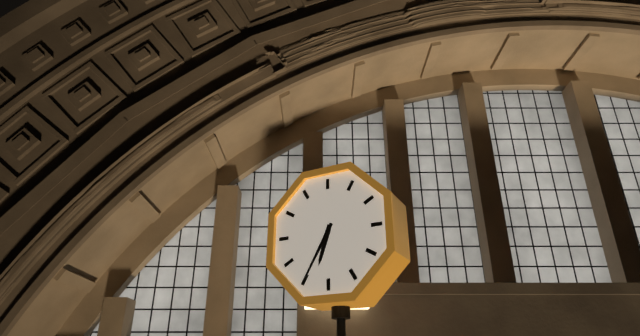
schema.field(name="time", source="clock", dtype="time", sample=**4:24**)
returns **6:35**
